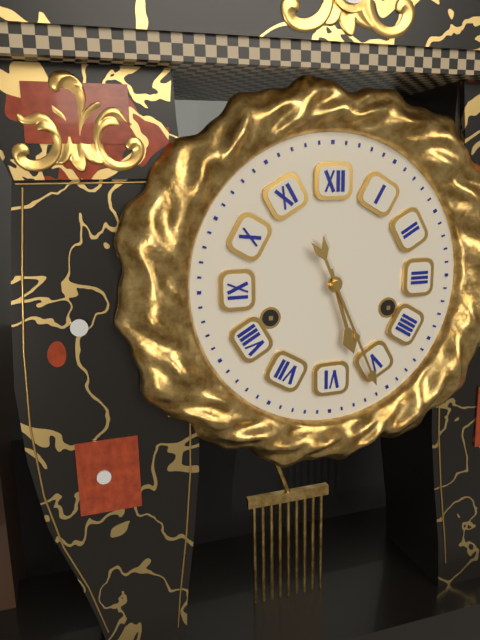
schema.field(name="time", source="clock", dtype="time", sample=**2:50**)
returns **5:26**
